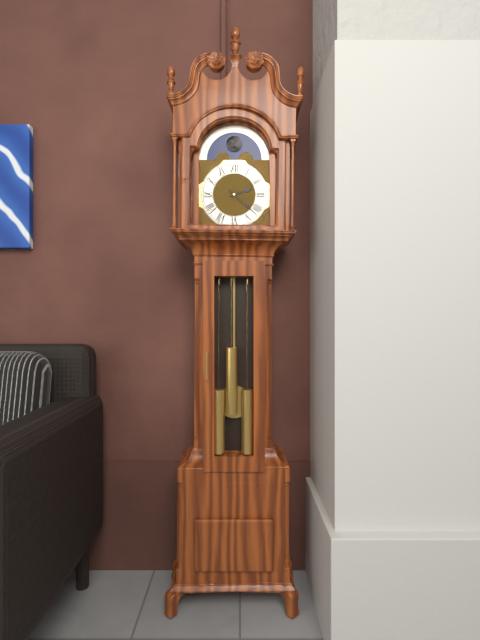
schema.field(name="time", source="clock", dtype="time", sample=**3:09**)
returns **2:22**
